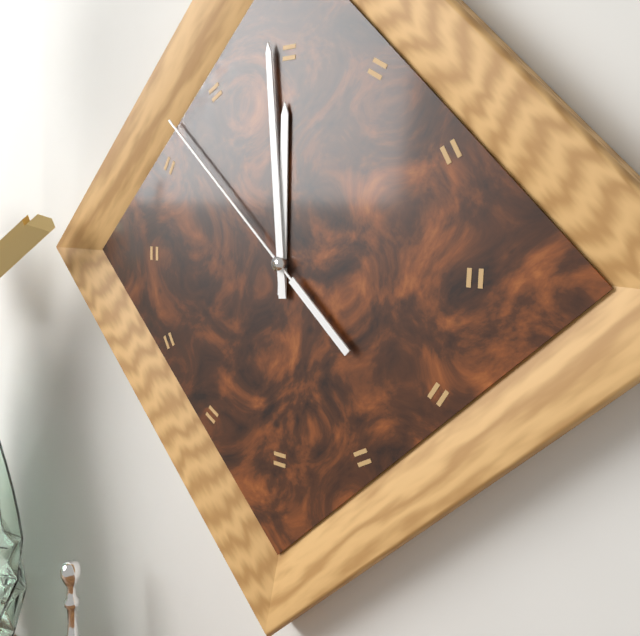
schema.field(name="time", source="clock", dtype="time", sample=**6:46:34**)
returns **11:59:52**
